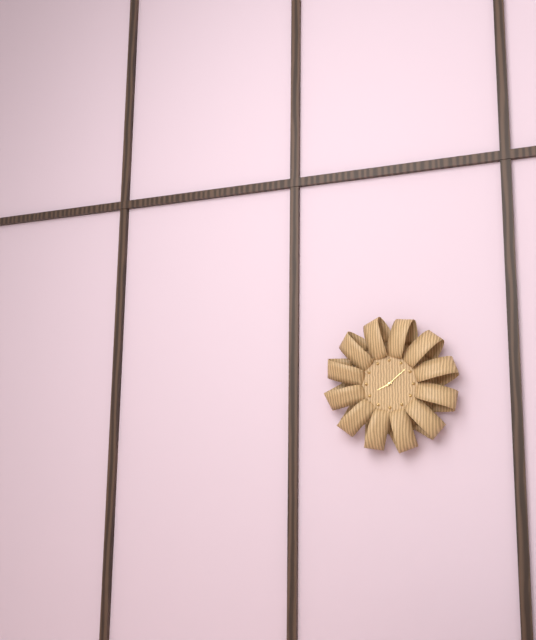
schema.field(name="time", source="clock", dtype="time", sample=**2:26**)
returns **8:08**
